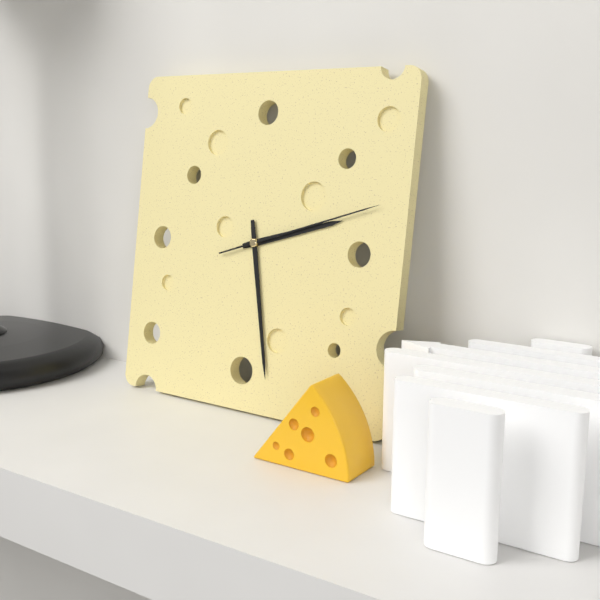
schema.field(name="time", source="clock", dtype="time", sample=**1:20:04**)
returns **2:28:12**
